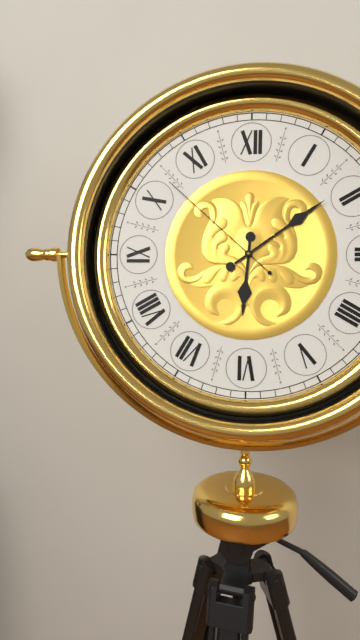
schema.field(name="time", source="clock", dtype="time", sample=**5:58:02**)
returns **6:09:52**
